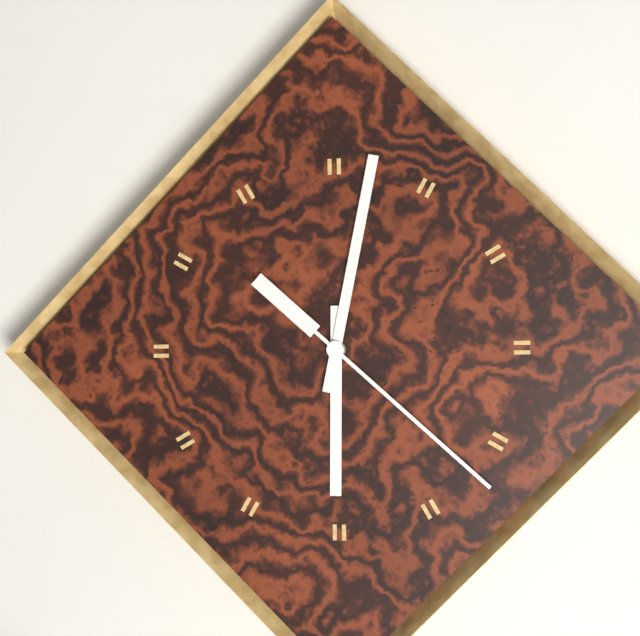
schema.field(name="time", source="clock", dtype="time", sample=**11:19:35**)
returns **6:02:22**
